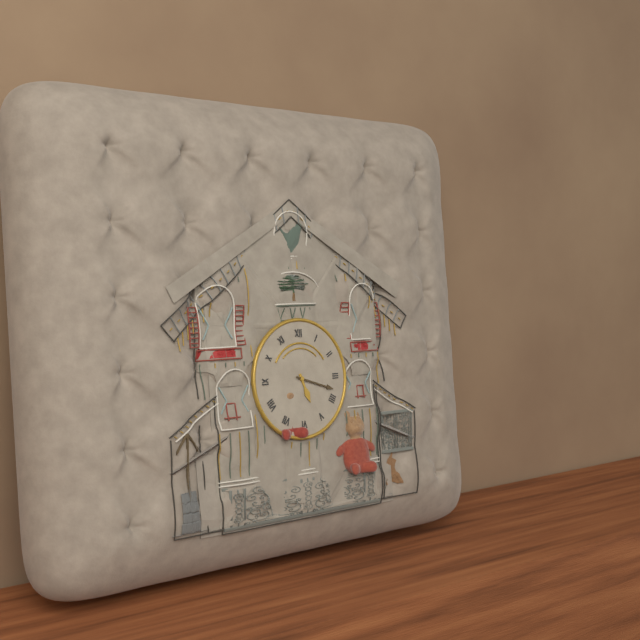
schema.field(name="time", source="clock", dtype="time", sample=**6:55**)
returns **5:18**
